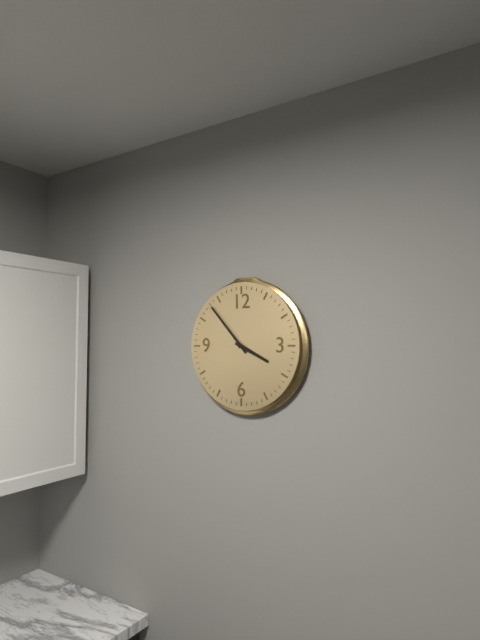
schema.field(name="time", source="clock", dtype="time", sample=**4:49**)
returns **3:53**
